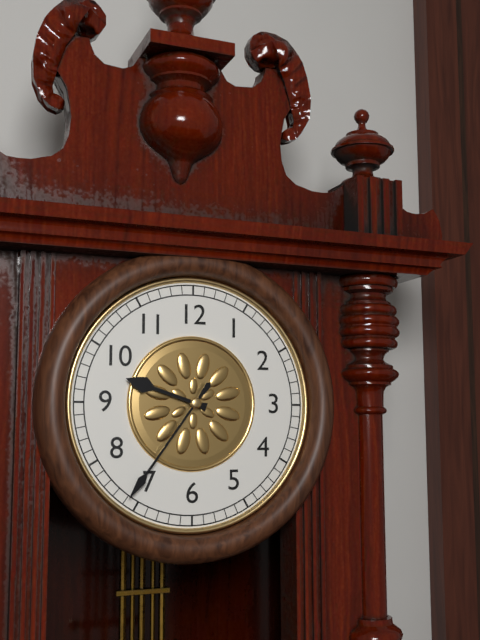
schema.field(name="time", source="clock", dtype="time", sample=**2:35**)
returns **9:36**
